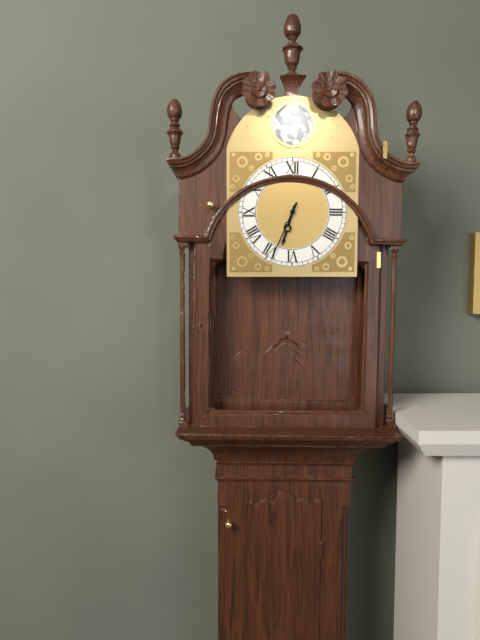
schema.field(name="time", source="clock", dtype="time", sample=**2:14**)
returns **6:34**
